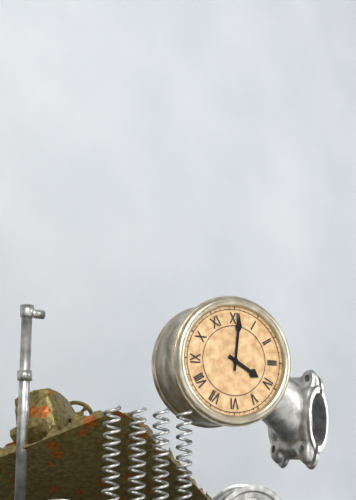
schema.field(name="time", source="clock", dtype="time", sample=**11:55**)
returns **4:01**
